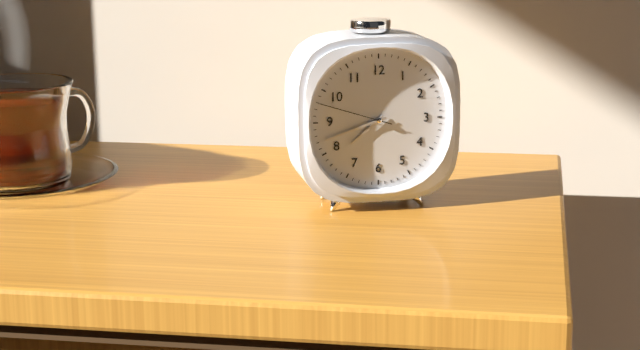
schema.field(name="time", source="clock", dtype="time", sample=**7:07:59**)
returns **7:42:48**
